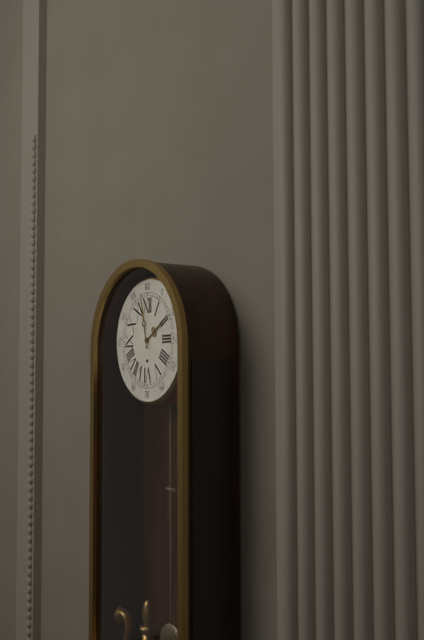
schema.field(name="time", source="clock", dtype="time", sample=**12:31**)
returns **1:58**
